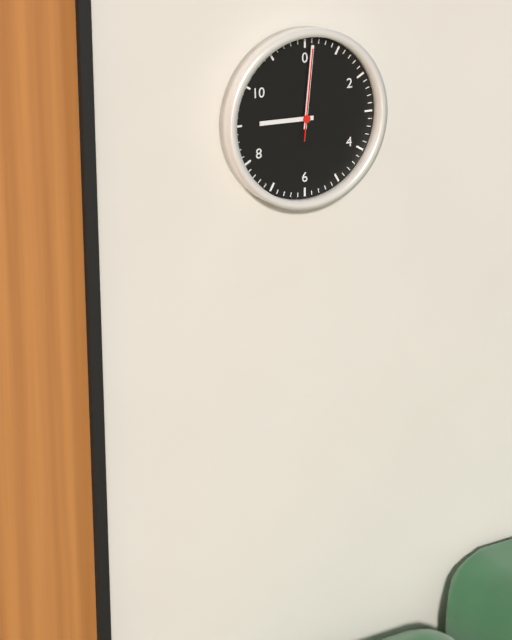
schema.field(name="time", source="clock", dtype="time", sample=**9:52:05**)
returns **9:01:01**
